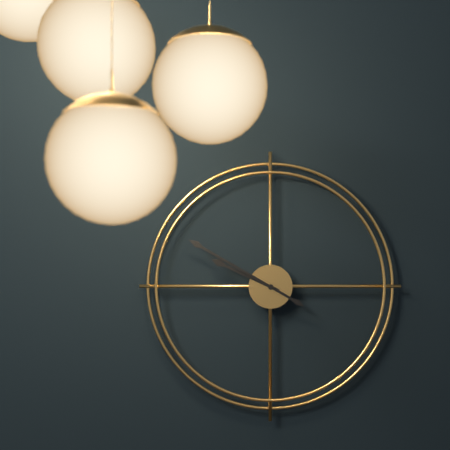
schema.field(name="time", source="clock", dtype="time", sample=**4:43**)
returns **9:50**
